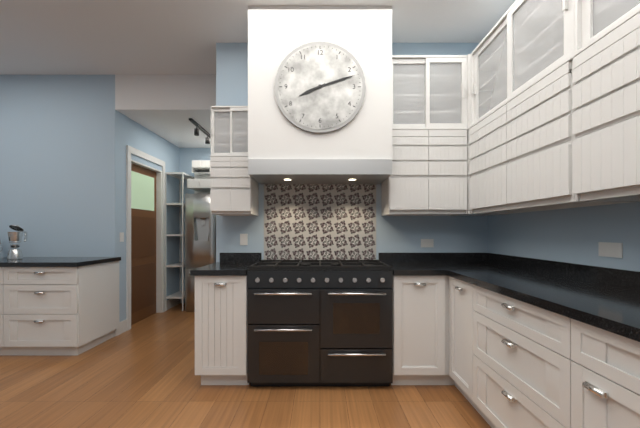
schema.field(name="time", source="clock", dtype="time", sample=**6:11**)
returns **8:12**
